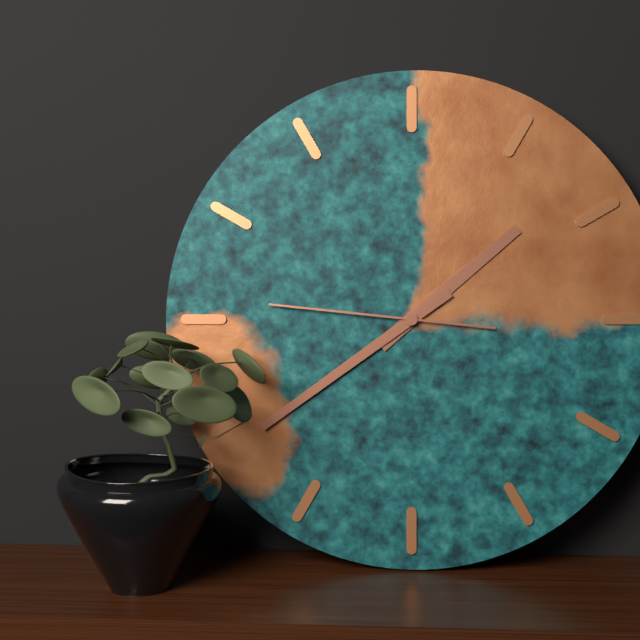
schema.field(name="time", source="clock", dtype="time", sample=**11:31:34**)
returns **1:39:46**
